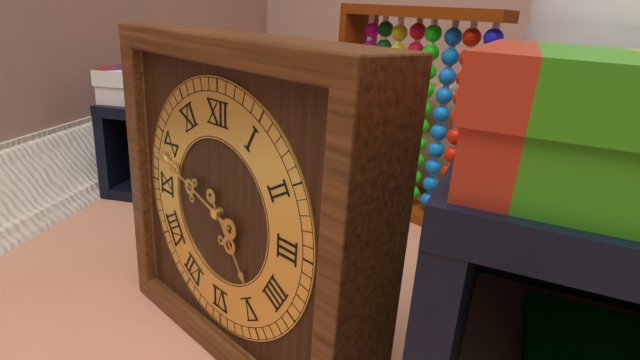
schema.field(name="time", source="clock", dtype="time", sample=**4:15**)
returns **4:48**
